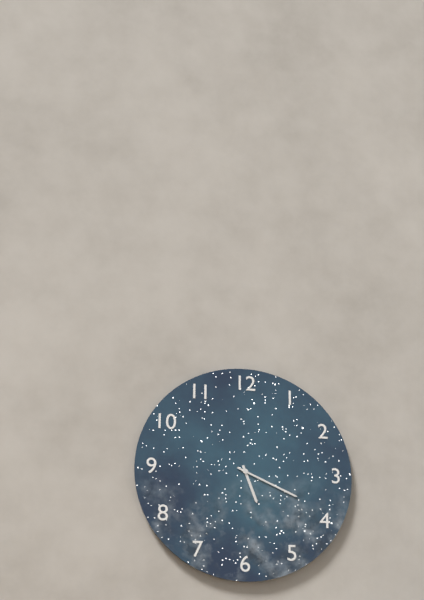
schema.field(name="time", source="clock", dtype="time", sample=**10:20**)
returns **5:19**
